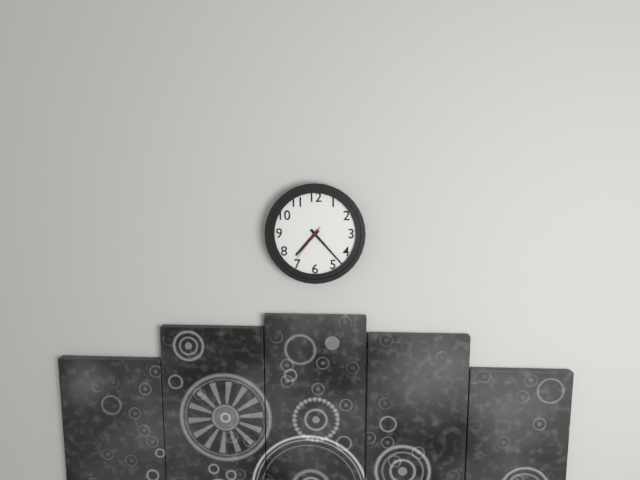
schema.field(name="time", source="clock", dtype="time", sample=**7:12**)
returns **7:23**
